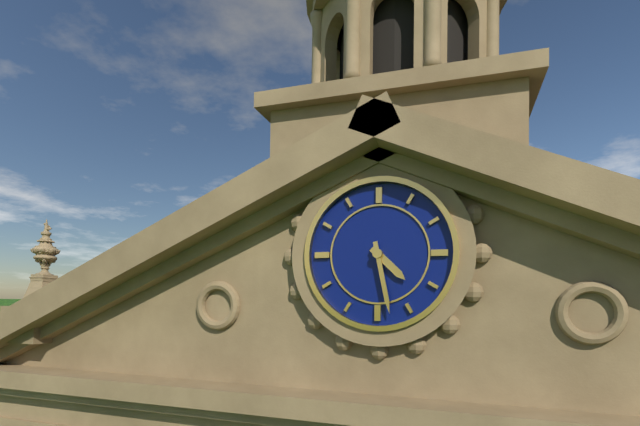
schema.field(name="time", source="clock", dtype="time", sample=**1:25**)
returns **4:28**
